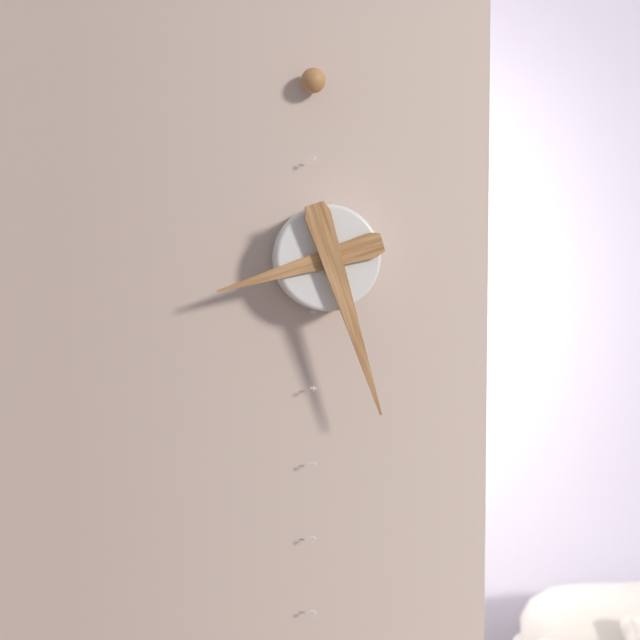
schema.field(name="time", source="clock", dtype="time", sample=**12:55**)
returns **8:27**
